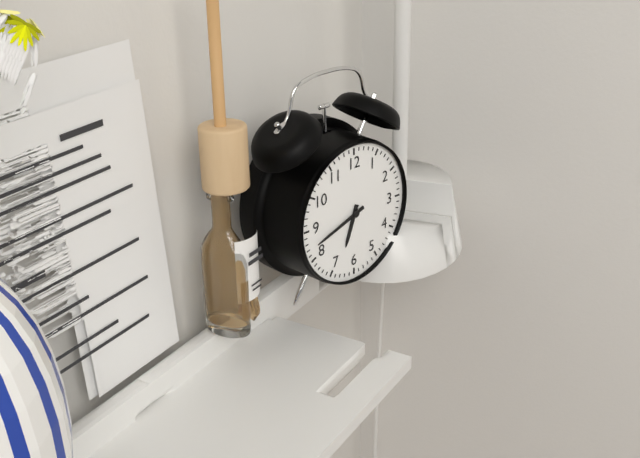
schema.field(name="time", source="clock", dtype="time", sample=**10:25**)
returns **6:42**
